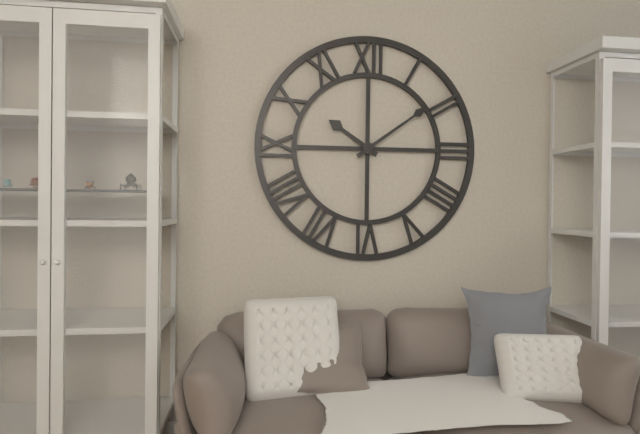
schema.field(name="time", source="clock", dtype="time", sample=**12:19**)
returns **10:09**
